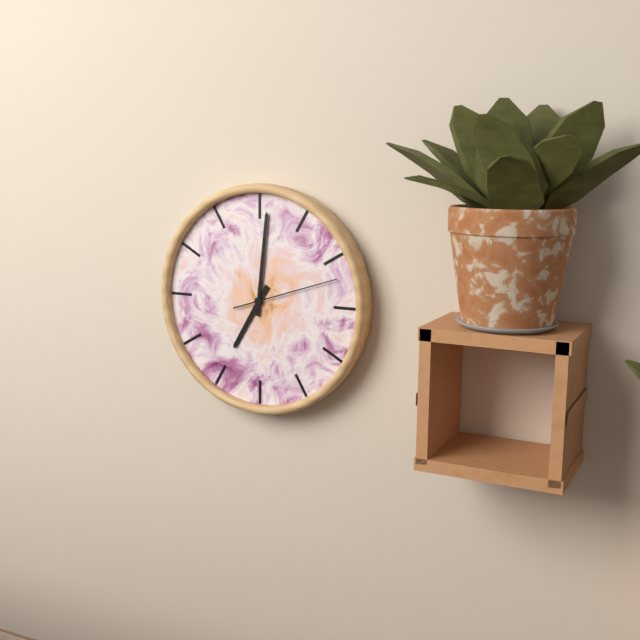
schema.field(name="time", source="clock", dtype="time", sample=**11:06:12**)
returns **7:01:12**
